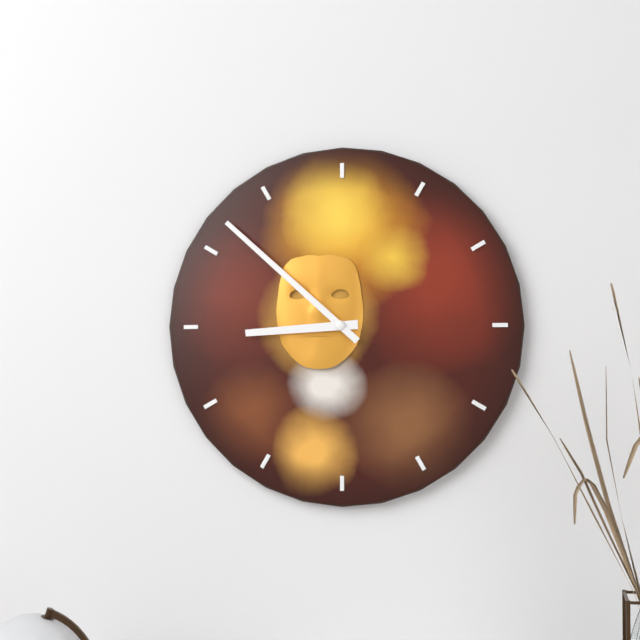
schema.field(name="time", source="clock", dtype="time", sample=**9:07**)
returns **8:52**
